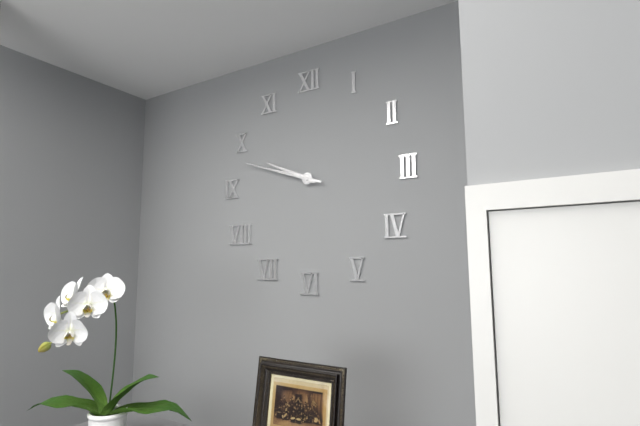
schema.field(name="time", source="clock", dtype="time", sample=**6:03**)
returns **9:48**
